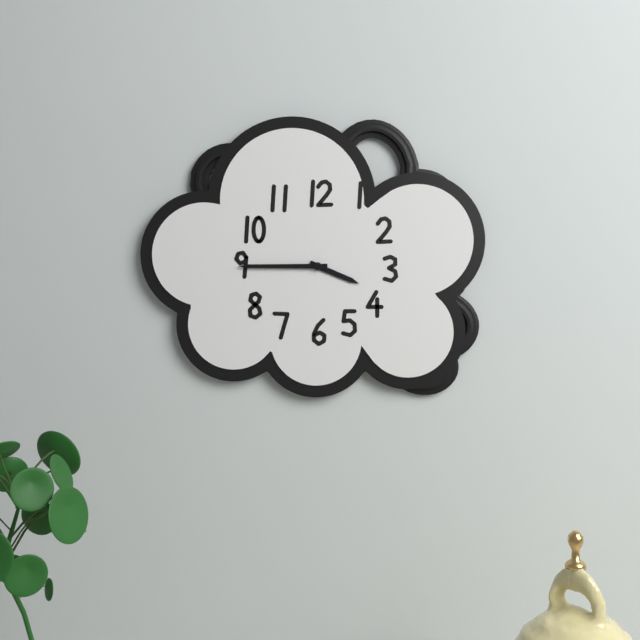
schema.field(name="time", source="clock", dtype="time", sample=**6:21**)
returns **3:45**
